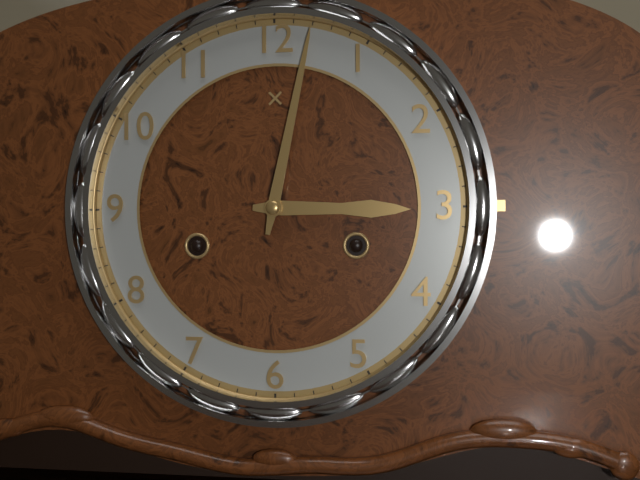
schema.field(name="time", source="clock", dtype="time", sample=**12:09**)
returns **3:02**
